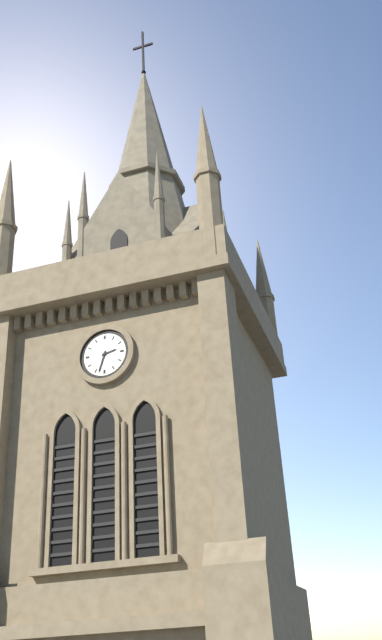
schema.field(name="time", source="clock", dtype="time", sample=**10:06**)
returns **2:33**
